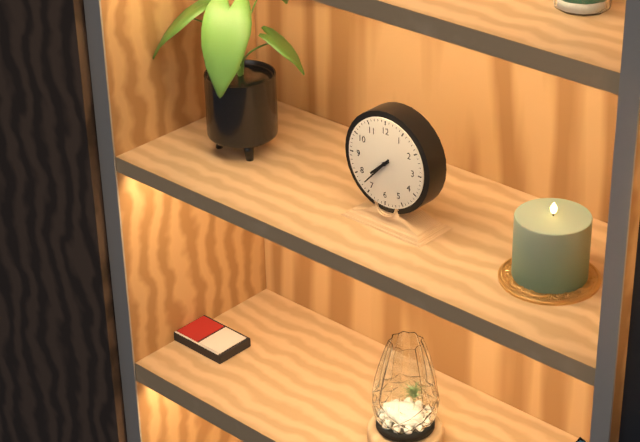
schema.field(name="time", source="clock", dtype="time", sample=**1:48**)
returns **7:37**
